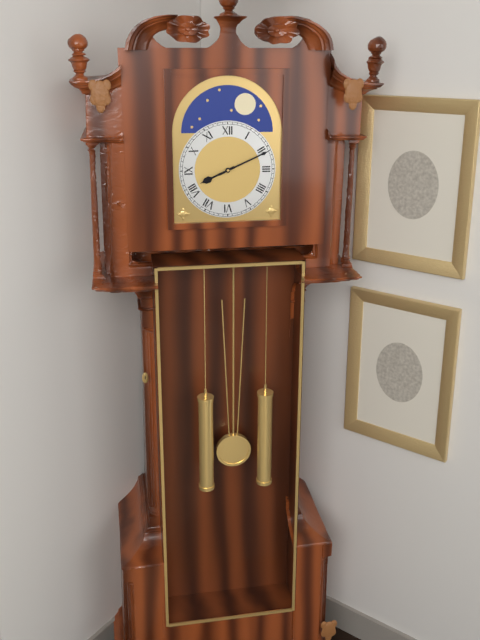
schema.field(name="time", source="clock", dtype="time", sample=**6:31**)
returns **8:11**
